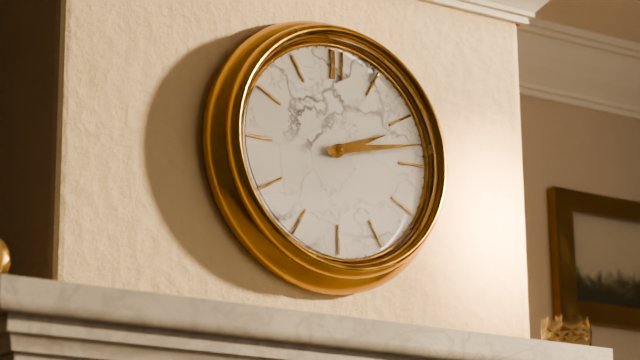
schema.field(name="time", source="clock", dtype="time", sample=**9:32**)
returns **2:13**
